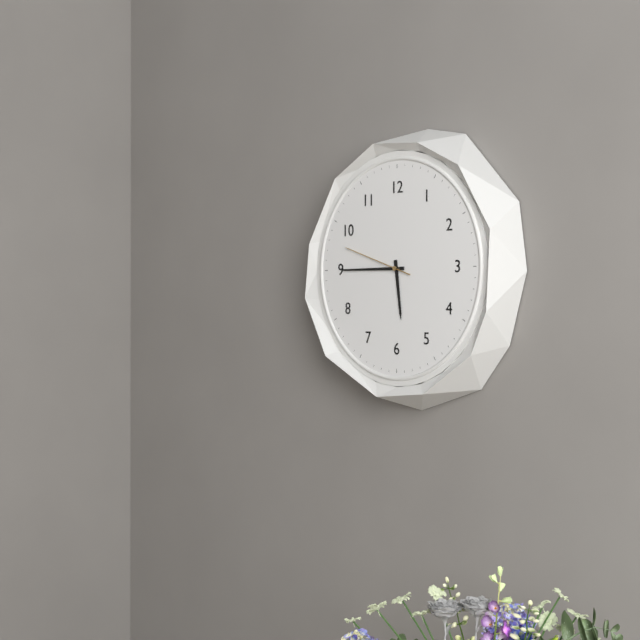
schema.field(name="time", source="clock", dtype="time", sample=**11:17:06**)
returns **5:45:48**
